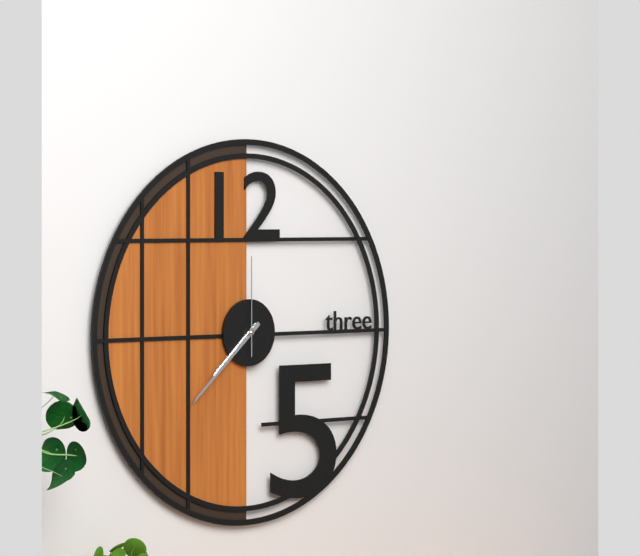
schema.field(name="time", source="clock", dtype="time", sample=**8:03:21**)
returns **7:38:00**
